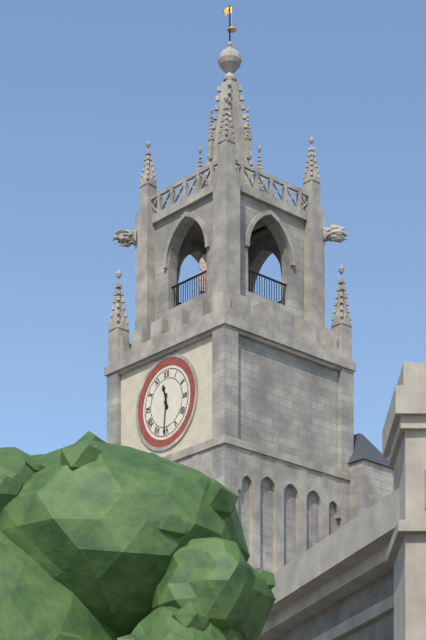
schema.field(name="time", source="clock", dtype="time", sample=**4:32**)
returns **11:31**
